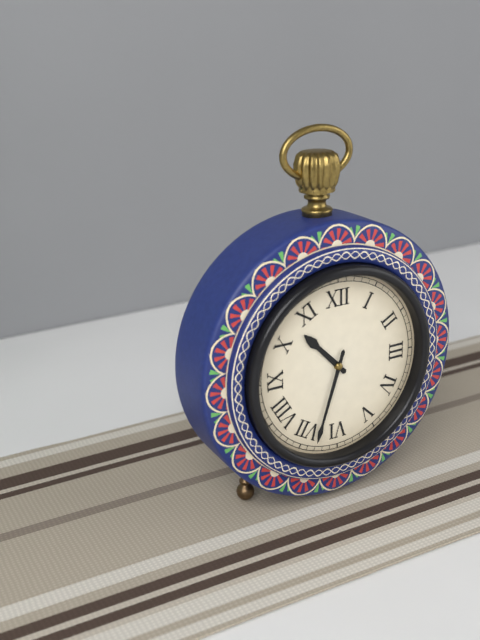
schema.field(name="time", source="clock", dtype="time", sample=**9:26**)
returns **10:33**
